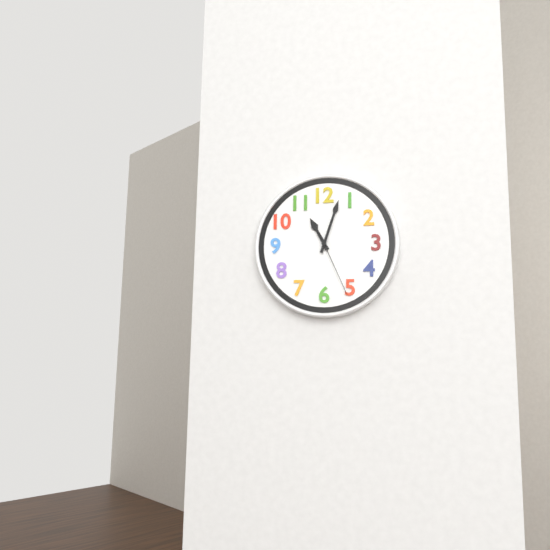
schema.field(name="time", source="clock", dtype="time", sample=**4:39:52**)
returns **11:03:26**
